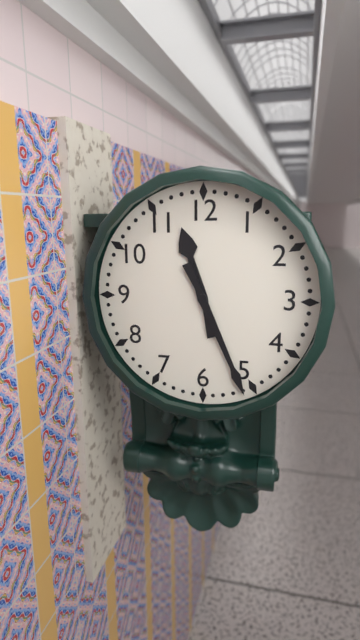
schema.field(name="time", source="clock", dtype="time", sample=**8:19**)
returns **11:26**
